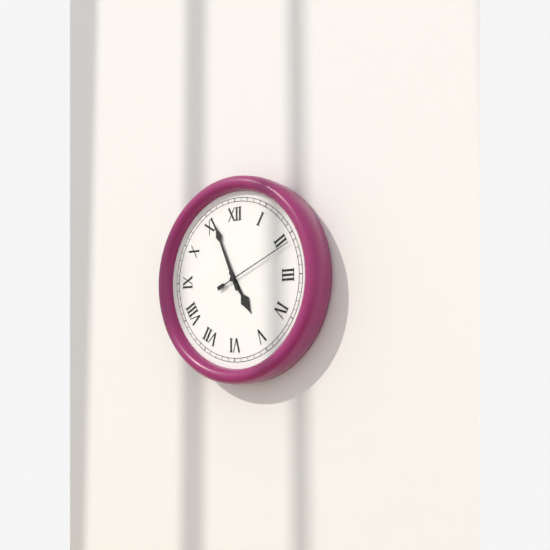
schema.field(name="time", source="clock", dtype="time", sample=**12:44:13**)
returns **4:56:11**
